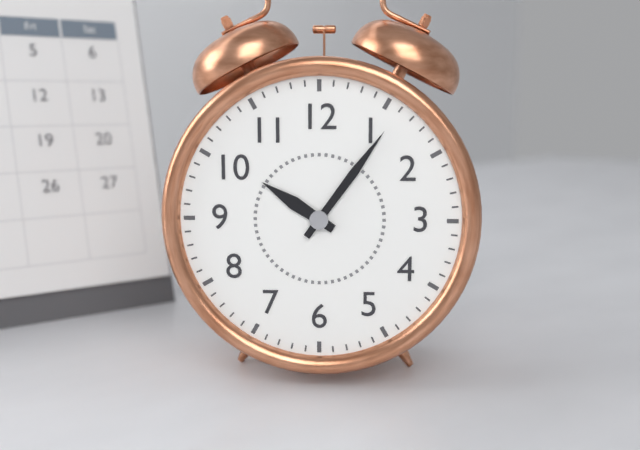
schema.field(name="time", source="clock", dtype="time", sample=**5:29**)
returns **10:06**
